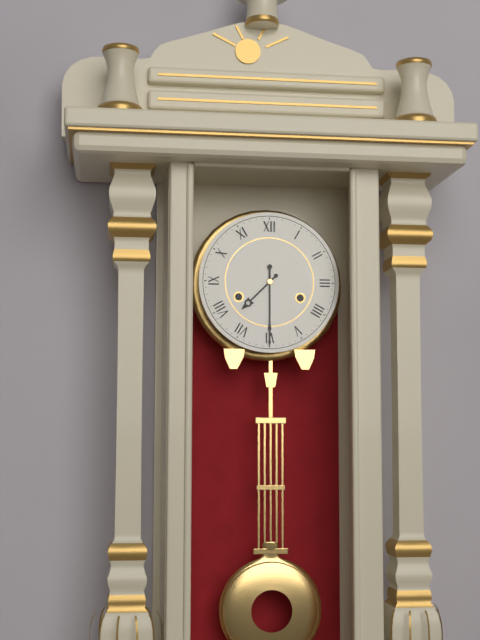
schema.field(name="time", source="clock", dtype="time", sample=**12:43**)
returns **7:30**
